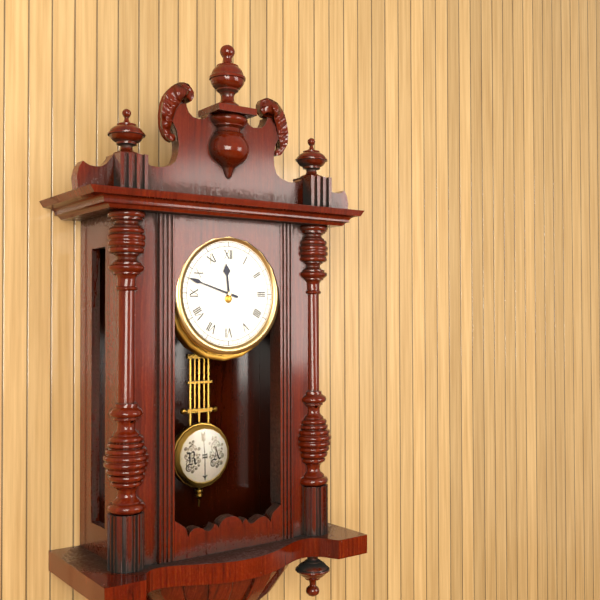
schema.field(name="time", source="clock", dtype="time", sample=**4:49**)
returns **11:48**
